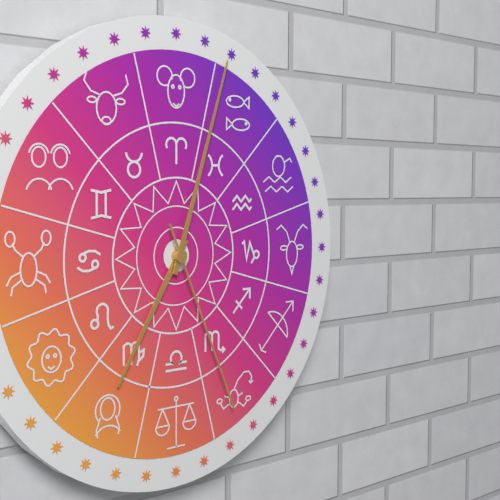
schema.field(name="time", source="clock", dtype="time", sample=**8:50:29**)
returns **7:03:26**
